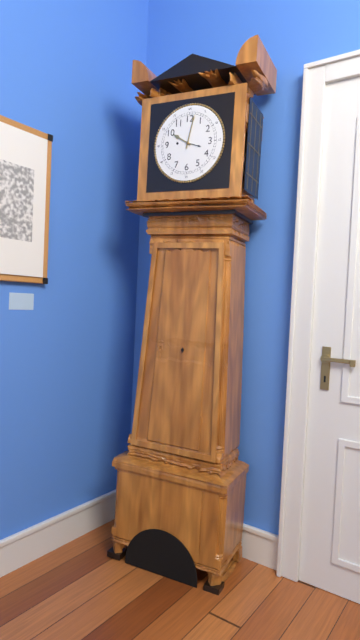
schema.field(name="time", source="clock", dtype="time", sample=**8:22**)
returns **10:02**
